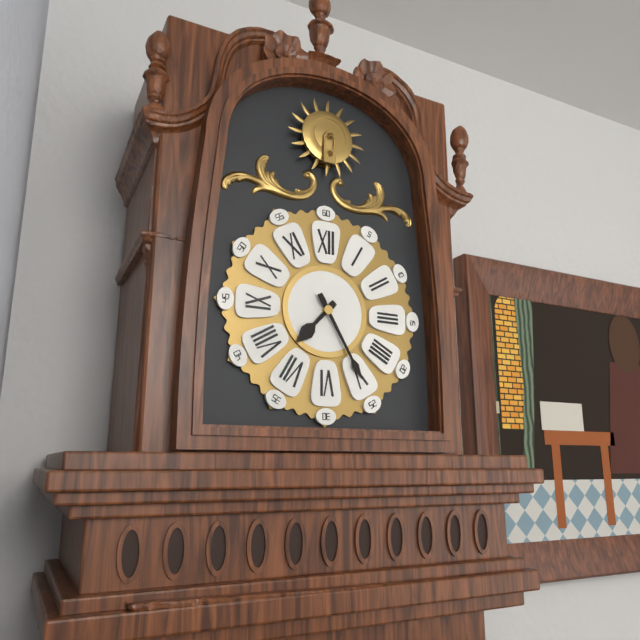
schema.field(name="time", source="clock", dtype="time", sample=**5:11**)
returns **7:25**
